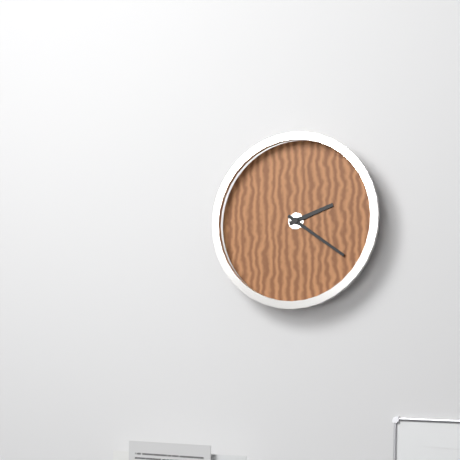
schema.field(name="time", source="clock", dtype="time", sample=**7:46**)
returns **2:21**
